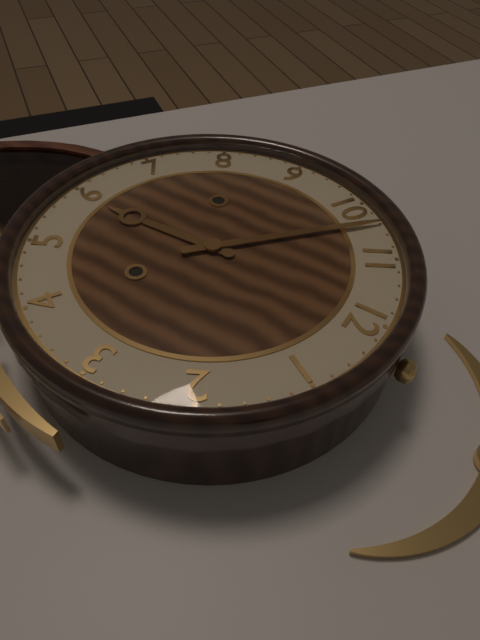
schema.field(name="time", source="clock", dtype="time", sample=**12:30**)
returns **5:52**
